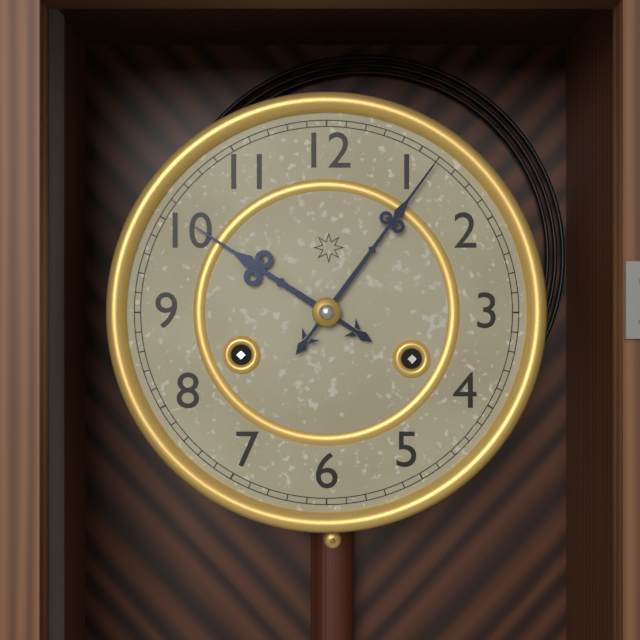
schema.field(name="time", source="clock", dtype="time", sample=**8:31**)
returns **10:06**
